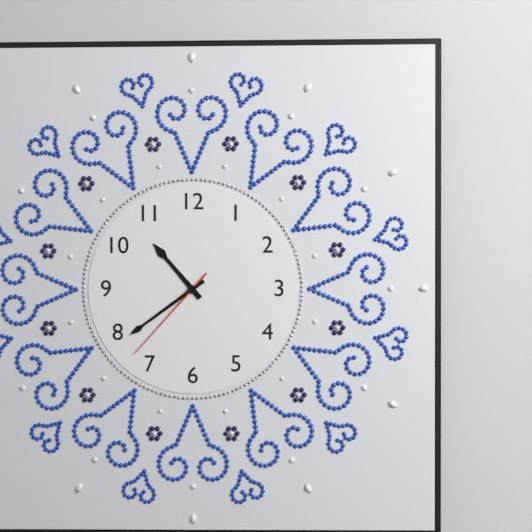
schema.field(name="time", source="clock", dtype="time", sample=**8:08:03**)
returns **10:39:37**
